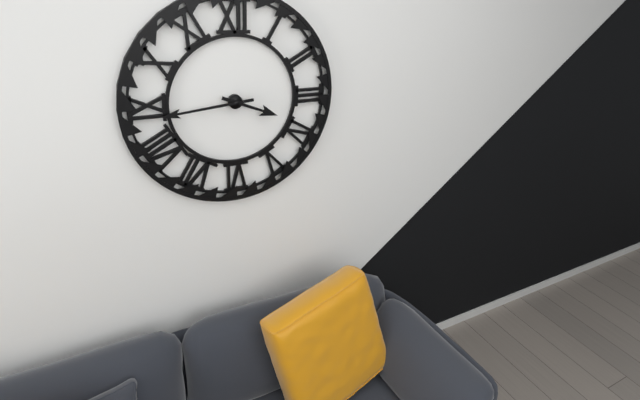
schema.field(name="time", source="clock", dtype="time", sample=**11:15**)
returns **3:44**
